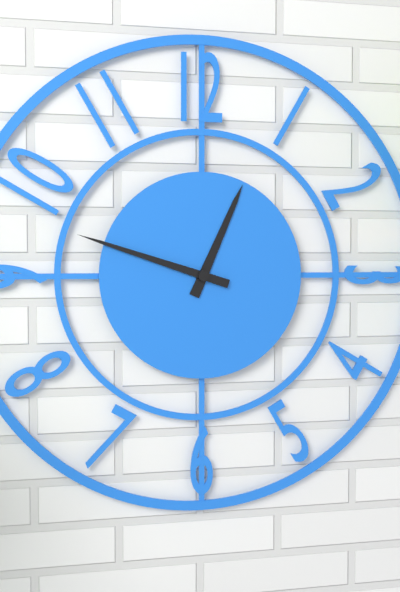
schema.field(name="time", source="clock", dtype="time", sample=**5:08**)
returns **12:48**
